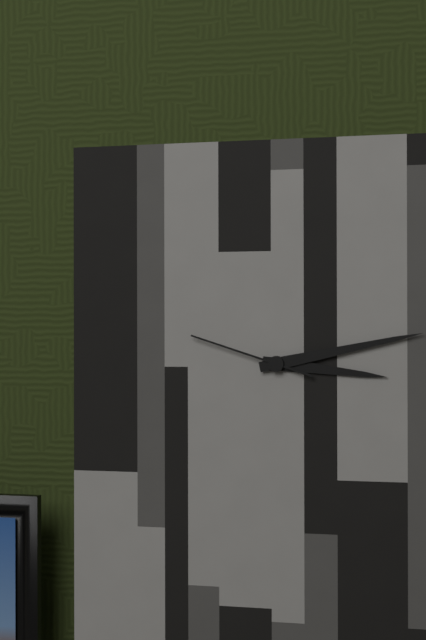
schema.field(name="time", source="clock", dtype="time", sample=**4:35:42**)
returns **3:13:48**
